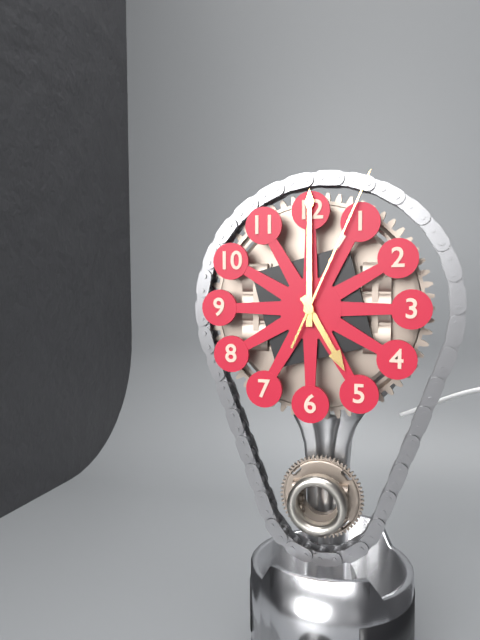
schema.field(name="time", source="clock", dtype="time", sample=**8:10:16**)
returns **5:00:04**
